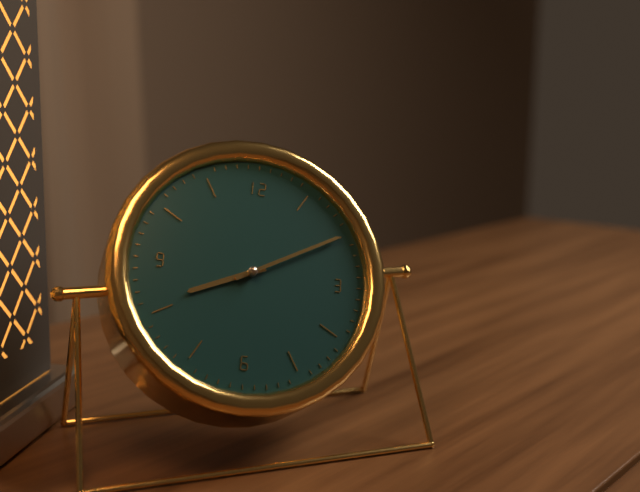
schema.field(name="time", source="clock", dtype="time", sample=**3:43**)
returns **8:10**
